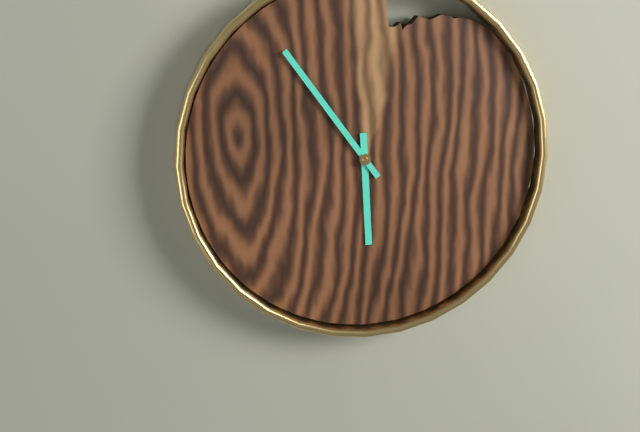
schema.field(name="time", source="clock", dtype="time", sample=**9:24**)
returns **5:54**
